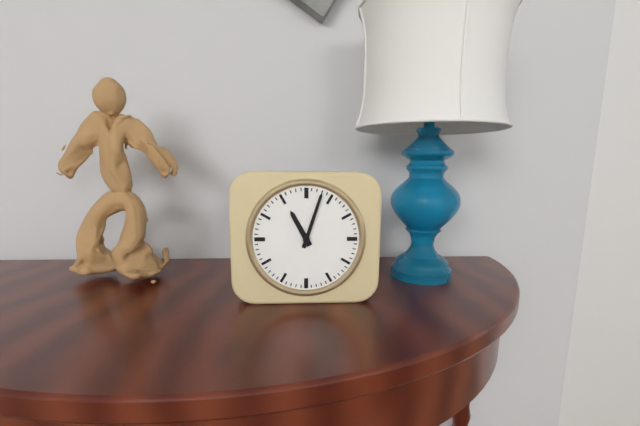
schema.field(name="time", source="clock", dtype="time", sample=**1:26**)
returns **11:03**
